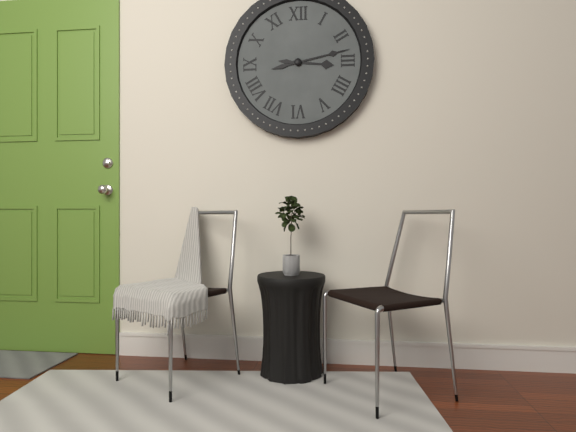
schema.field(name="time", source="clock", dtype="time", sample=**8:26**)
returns **3:13**
